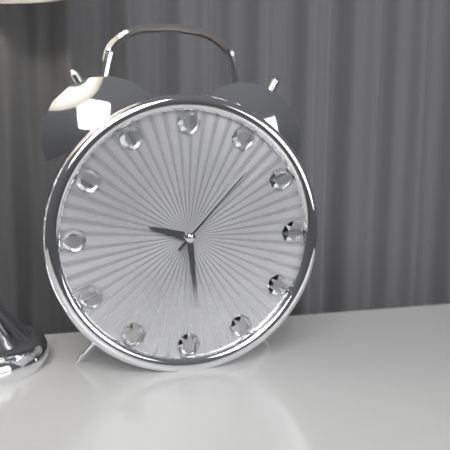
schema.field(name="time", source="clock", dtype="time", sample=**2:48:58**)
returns **9:29:07**
